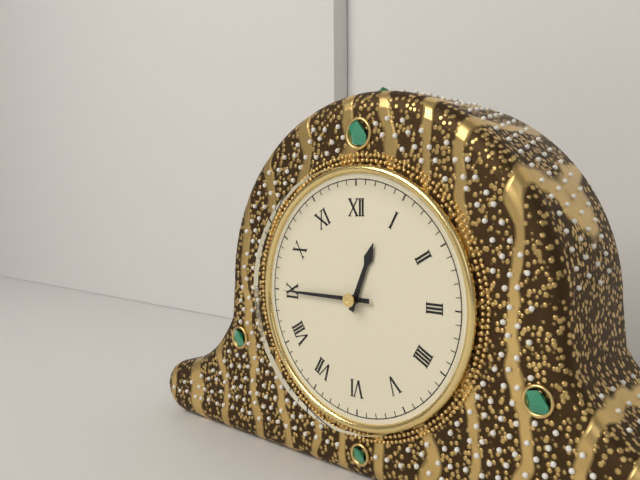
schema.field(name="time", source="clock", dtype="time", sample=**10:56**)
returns **12:45**
